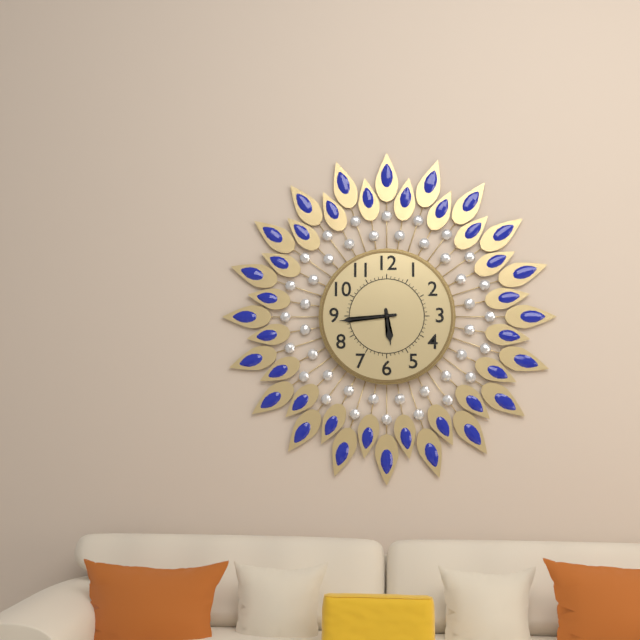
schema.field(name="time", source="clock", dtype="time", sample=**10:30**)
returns **5:44**
